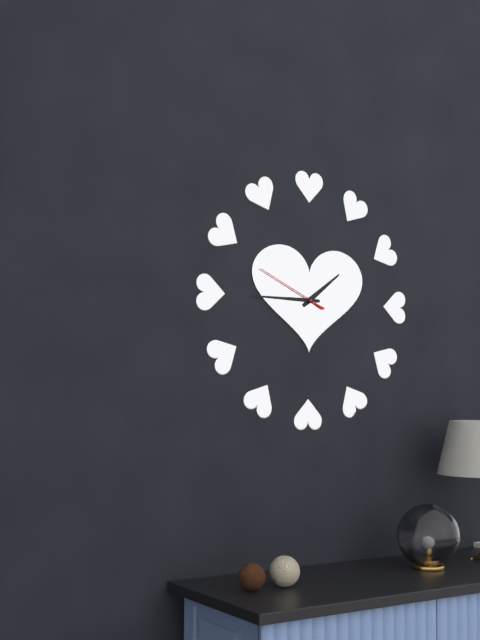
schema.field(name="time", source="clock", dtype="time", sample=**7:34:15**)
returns **1:45:49**
